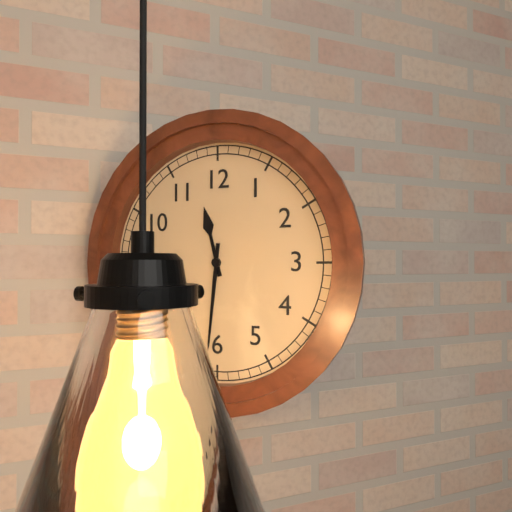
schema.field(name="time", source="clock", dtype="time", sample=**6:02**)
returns **11:31**
